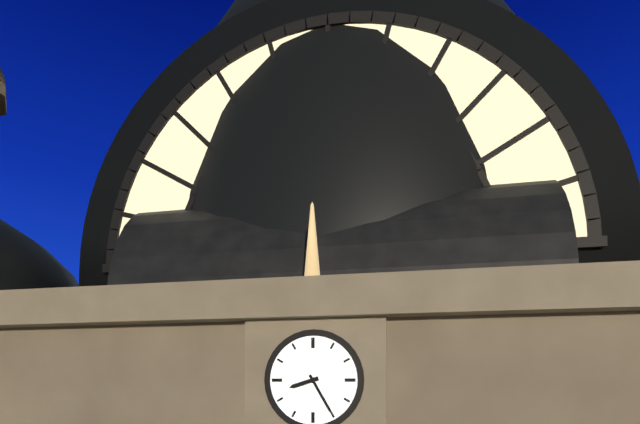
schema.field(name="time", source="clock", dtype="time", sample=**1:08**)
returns **8:25**
